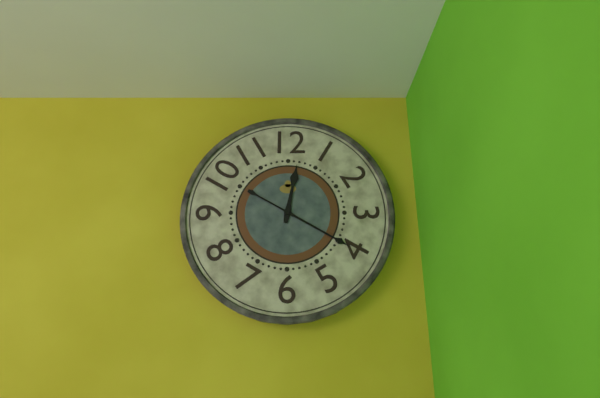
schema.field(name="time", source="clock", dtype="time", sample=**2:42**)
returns **12:20**
